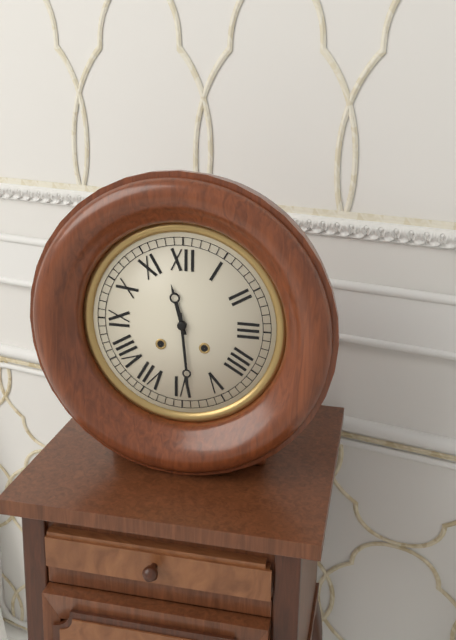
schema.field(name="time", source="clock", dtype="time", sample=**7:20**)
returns **11:29**
